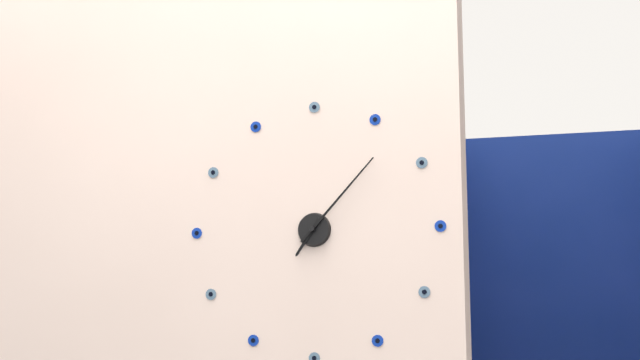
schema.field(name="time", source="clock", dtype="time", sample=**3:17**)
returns **7:07**
